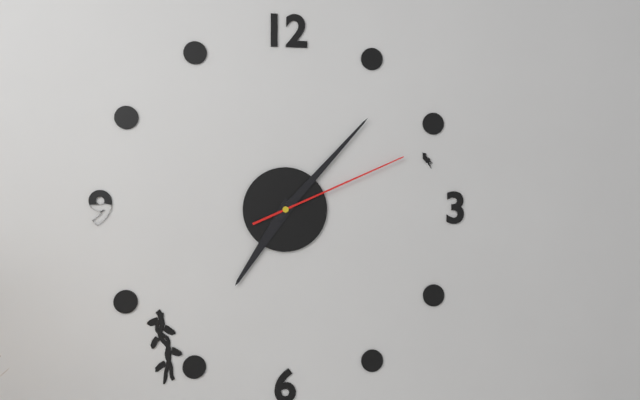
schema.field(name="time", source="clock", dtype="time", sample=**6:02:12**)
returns **7:07:11**
